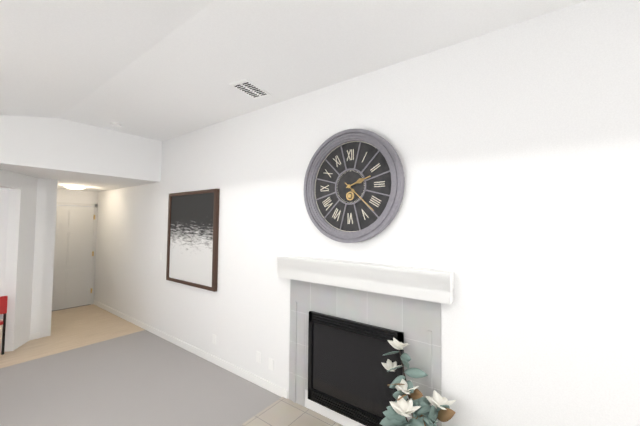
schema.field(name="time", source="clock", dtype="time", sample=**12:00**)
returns **2:22**
